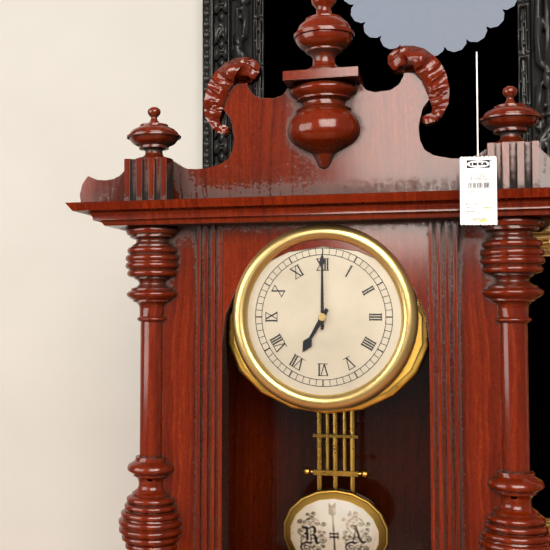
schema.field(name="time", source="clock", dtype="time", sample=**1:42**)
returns **7:00**
